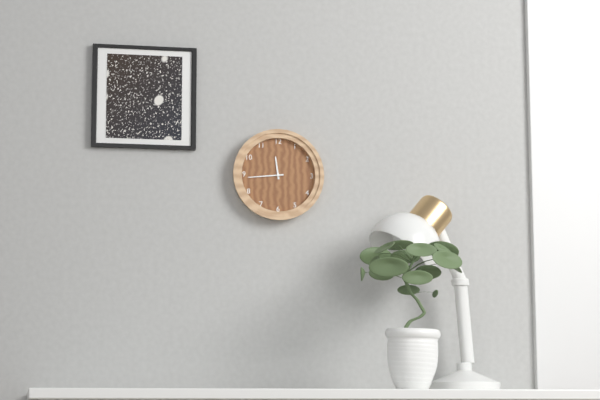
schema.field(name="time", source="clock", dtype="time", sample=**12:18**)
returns **11:44**
